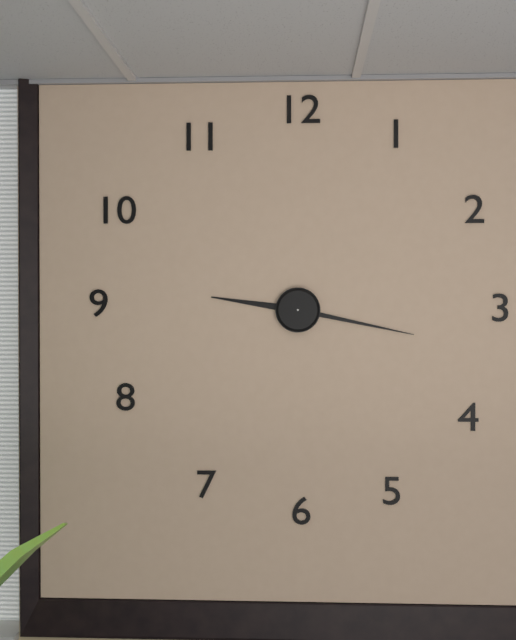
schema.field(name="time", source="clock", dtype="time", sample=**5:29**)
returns **9:17**
